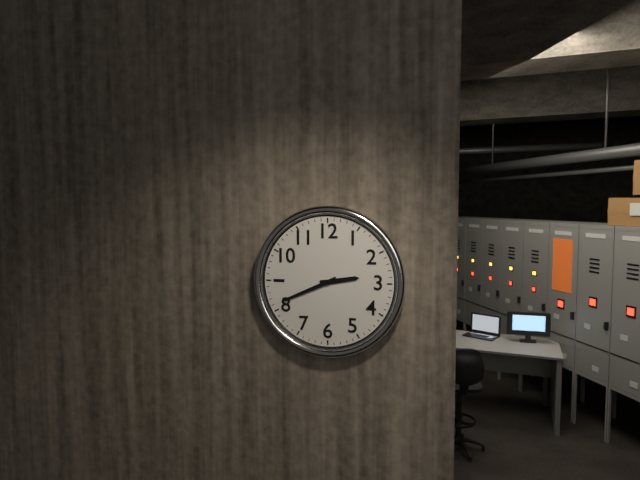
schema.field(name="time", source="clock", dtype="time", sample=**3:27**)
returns **2:41**
